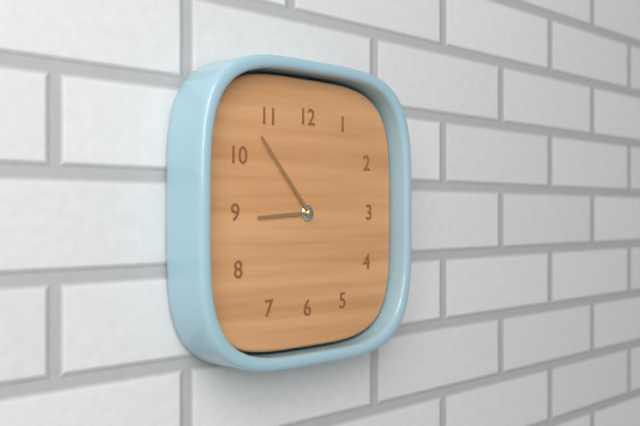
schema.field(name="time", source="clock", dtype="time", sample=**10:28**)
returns **8:53**
